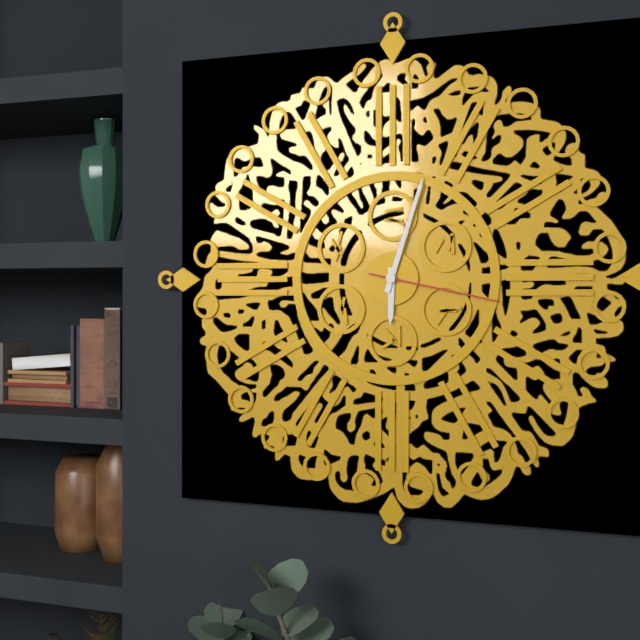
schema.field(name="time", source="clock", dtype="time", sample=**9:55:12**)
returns **6:03:17**
